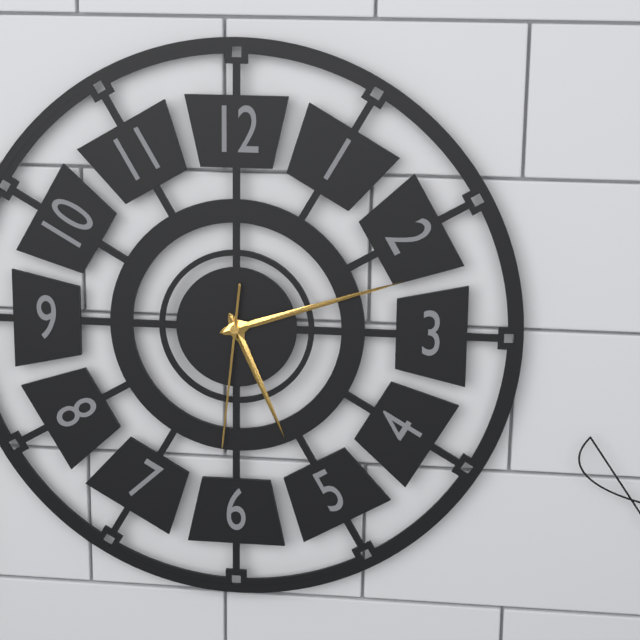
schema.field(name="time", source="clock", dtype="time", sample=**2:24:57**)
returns **5:12:31**
